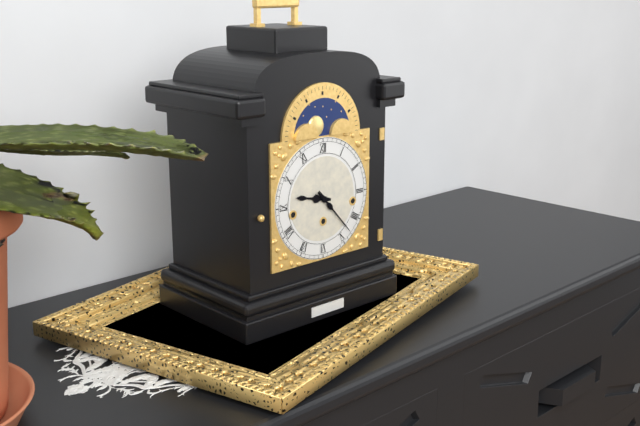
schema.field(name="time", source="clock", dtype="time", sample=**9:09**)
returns **9:23**
